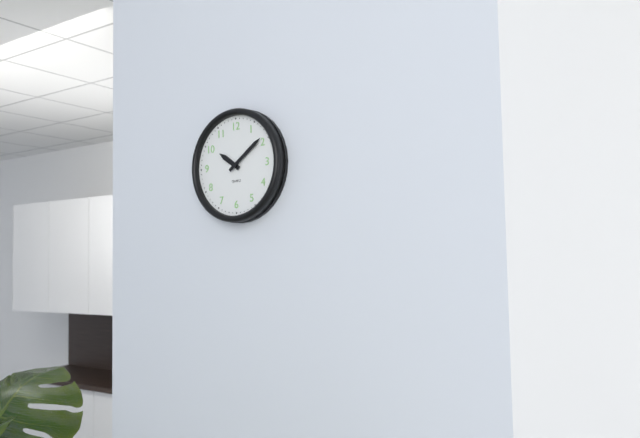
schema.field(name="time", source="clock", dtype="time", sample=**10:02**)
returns **10:09**
